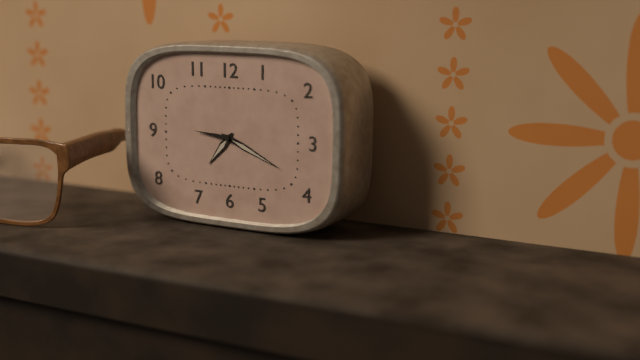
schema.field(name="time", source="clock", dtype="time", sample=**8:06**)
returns **7:19**
